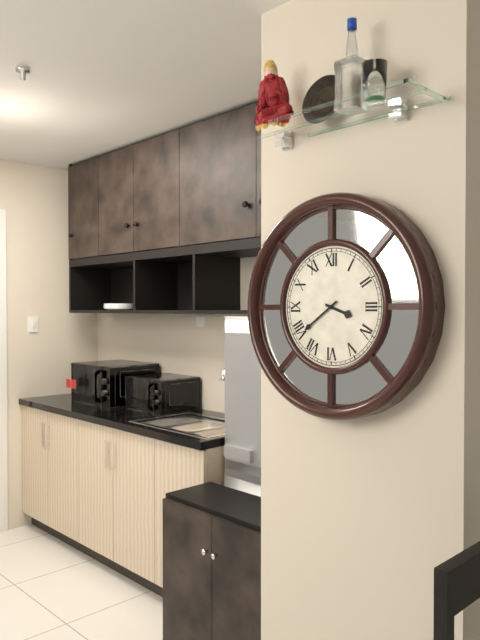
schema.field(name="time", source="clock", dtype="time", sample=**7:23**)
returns **3:39**
